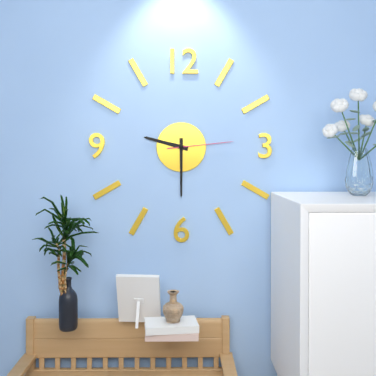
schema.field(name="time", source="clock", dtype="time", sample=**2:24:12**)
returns **9:30:14**
